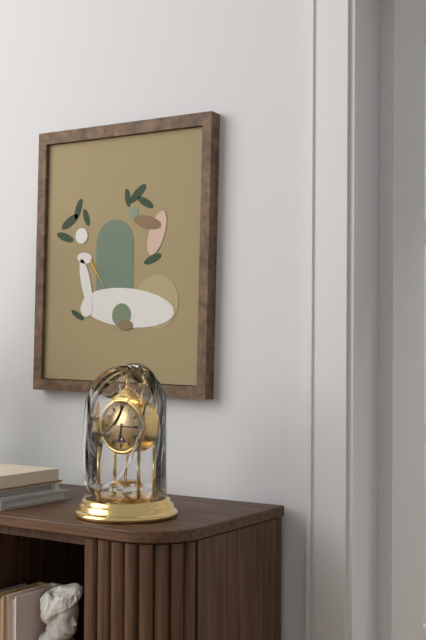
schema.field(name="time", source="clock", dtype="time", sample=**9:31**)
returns **6:15**
